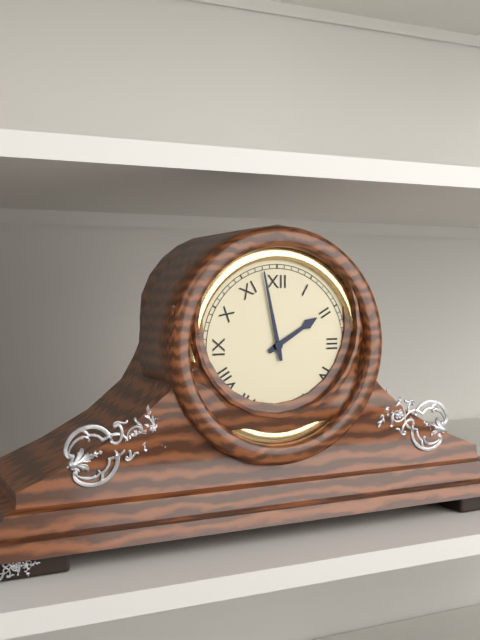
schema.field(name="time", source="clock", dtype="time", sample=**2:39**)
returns **1:58**
